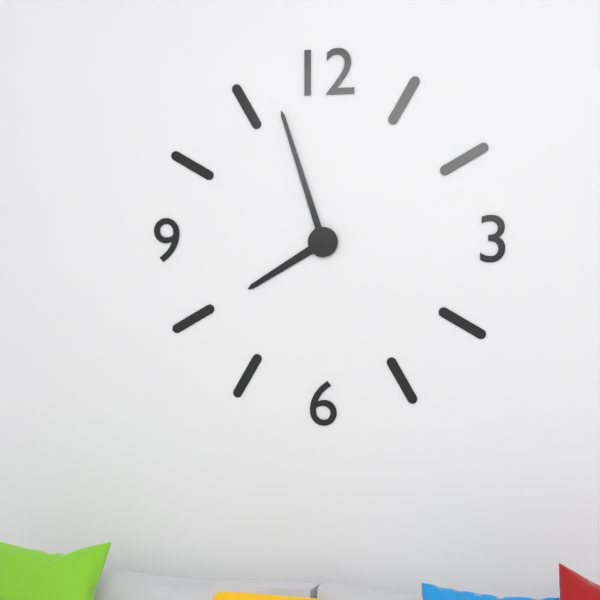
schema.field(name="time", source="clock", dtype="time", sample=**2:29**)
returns **7:57**
